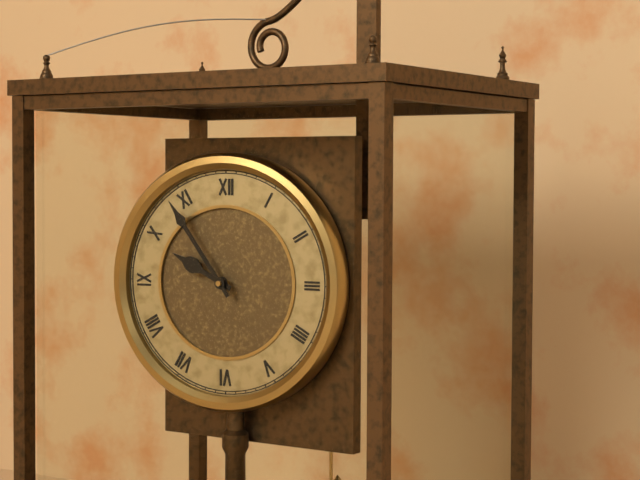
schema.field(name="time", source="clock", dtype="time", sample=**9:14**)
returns **9:54**
